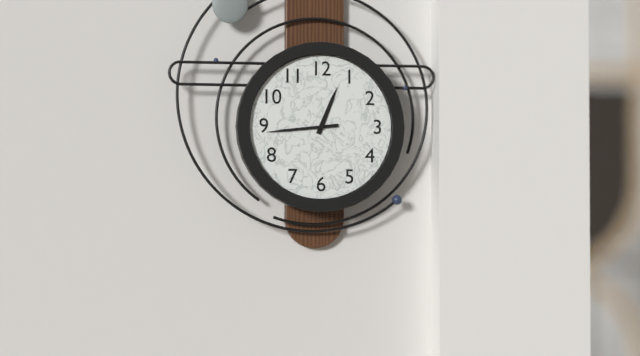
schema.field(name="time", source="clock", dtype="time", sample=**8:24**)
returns **12:44**
